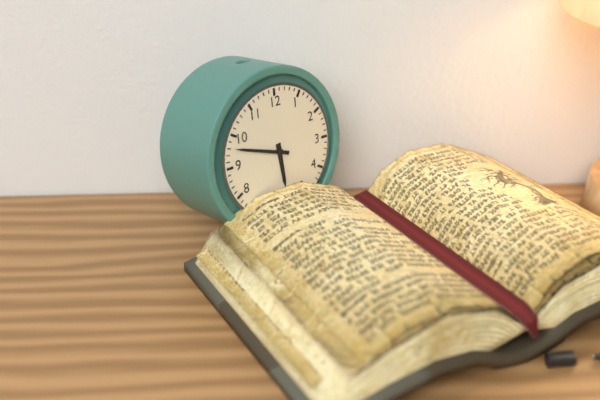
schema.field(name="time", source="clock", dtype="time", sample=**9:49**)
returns **5:48**
